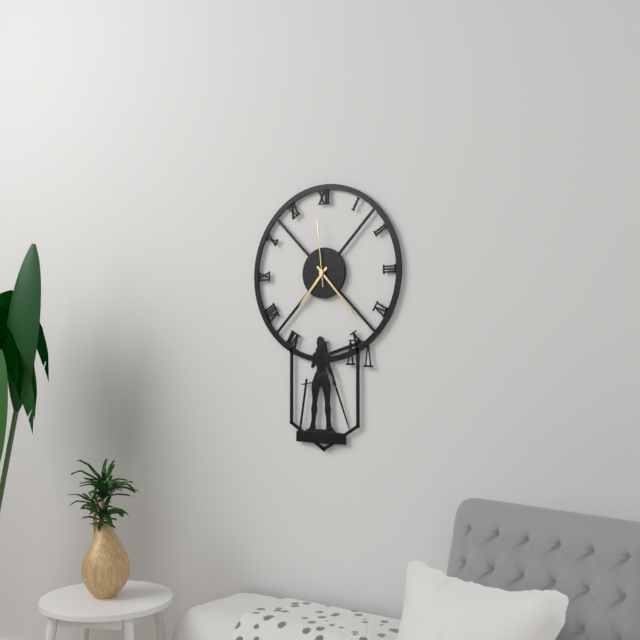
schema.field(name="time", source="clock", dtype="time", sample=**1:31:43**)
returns **7:23:59**
